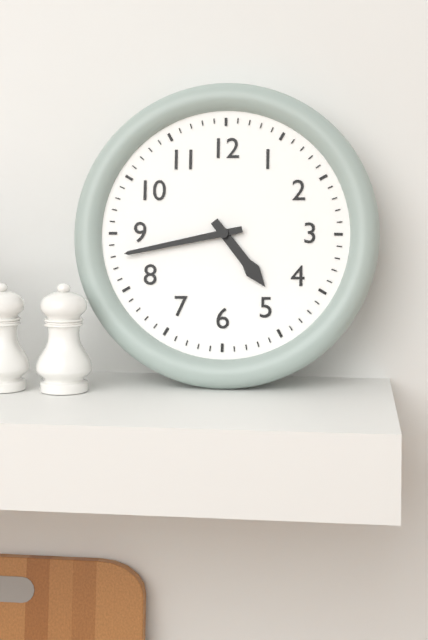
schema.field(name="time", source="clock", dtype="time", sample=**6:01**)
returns **4:43**
